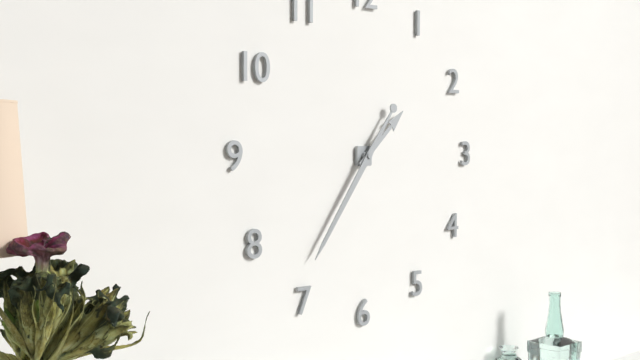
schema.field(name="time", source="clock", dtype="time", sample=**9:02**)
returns **1:36**
